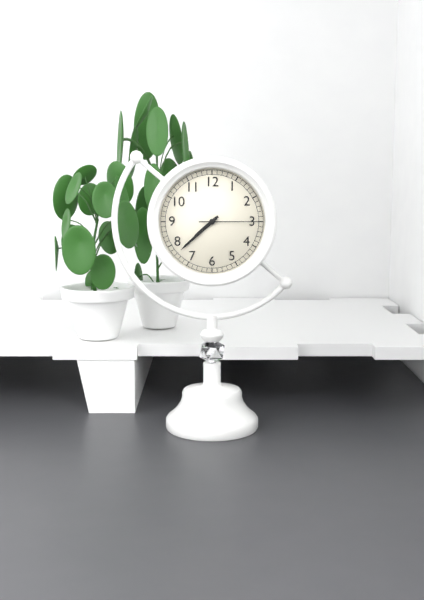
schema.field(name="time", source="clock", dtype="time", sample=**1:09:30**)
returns **7:38:15**
